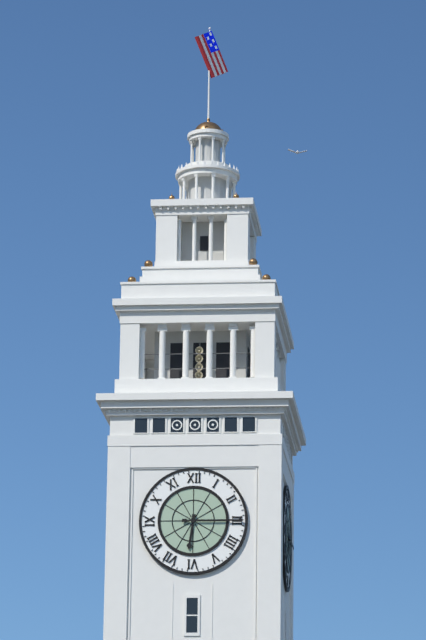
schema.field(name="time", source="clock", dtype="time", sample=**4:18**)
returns **6:15**
